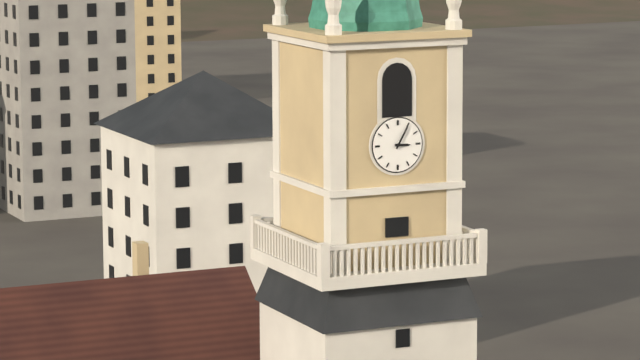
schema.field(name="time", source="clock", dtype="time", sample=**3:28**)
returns **3:05**
